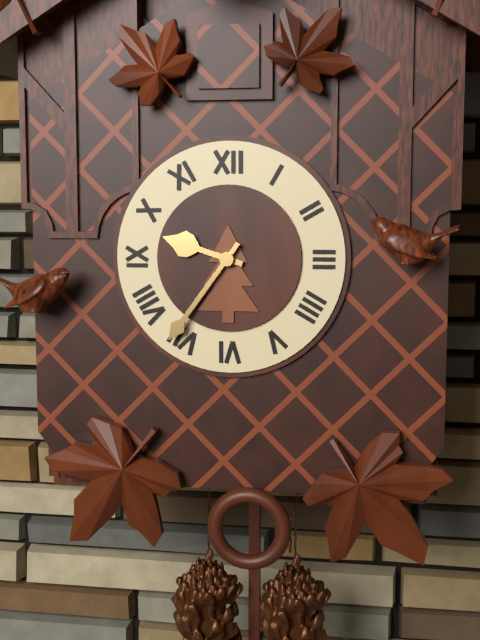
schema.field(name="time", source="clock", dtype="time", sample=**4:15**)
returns **9:36**
